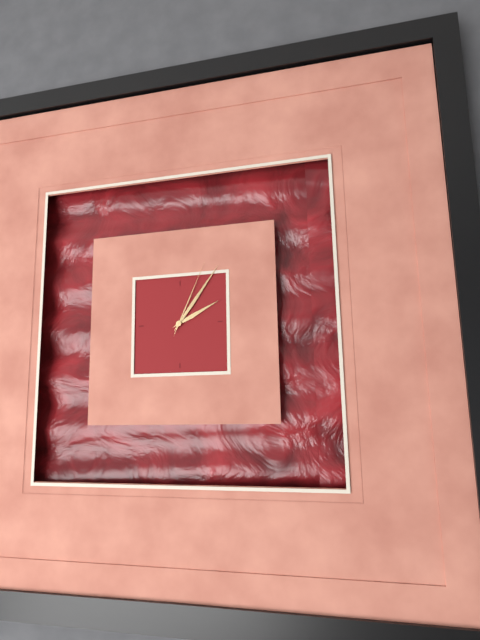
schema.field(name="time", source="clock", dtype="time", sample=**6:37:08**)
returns **2:06:04**
